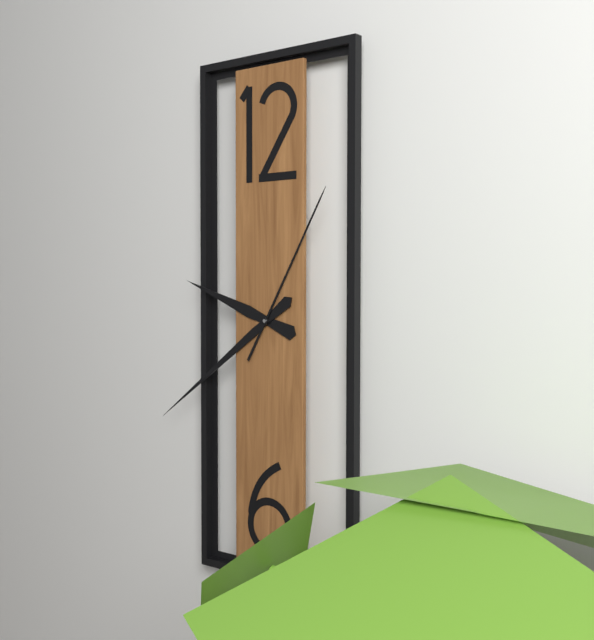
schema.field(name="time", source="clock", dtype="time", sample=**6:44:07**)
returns **9:39:05**
